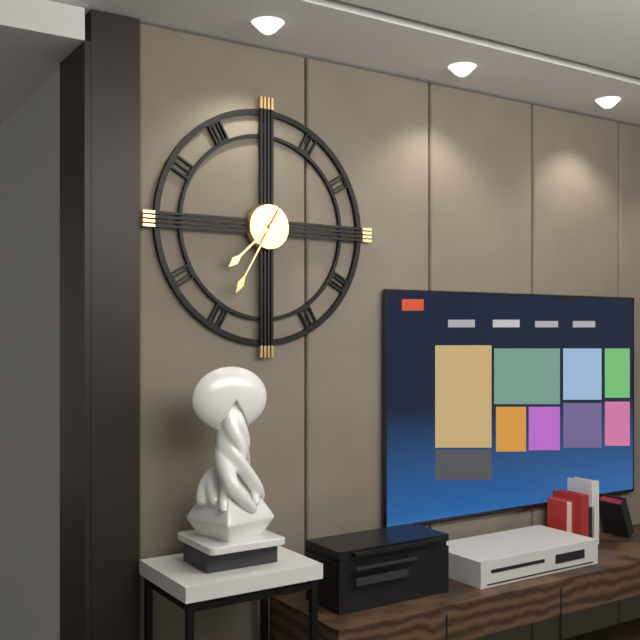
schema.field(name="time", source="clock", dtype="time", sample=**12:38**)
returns **7:35**
